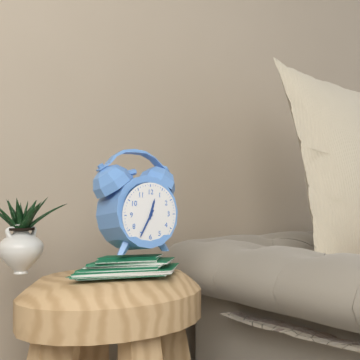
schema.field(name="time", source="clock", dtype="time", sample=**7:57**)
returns **12:35**
